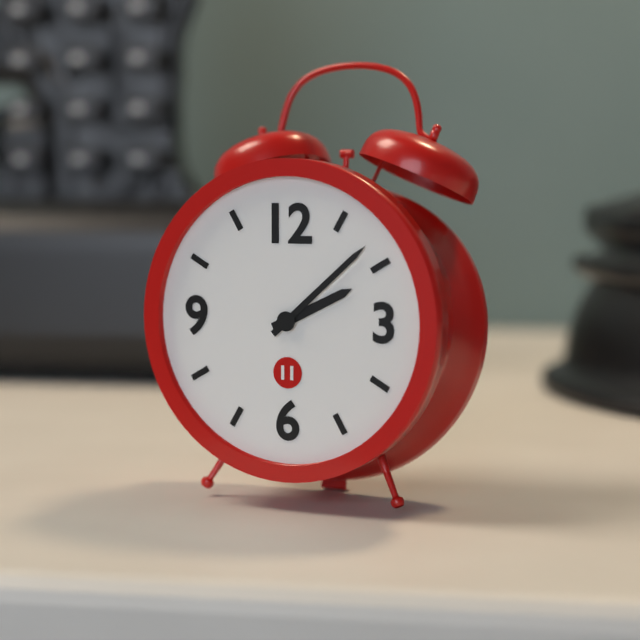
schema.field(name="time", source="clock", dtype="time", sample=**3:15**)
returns **2:08**
